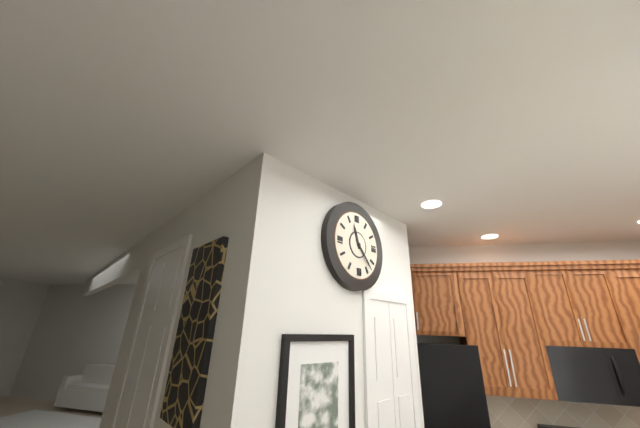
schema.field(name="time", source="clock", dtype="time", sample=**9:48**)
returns **11:23**
